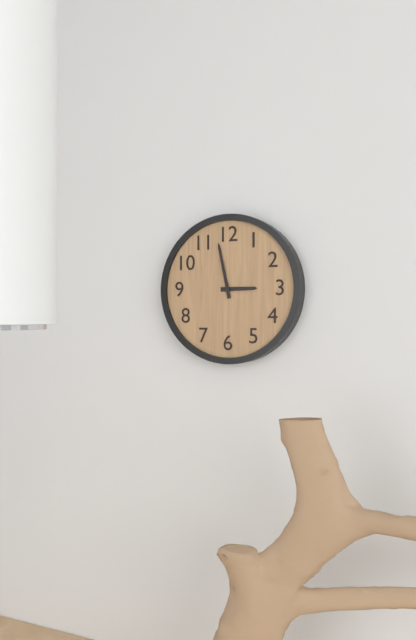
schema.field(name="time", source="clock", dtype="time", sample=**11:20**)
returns **2:58**
